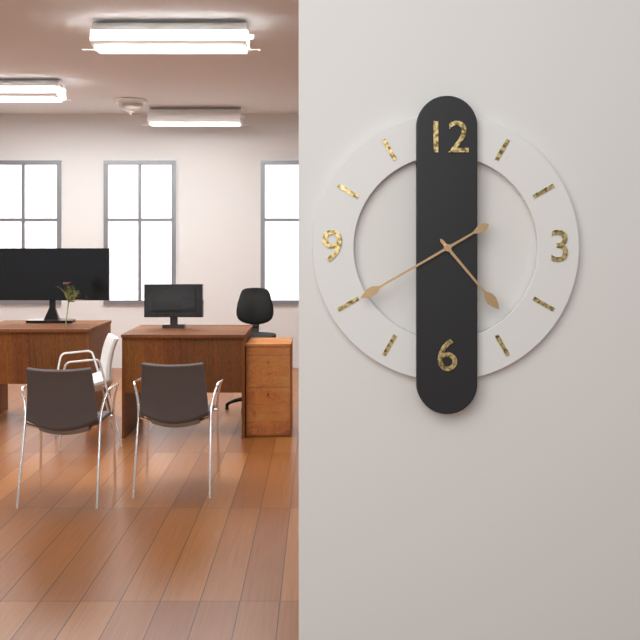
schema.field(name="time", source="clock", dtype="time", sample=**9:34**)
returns **4:40**
